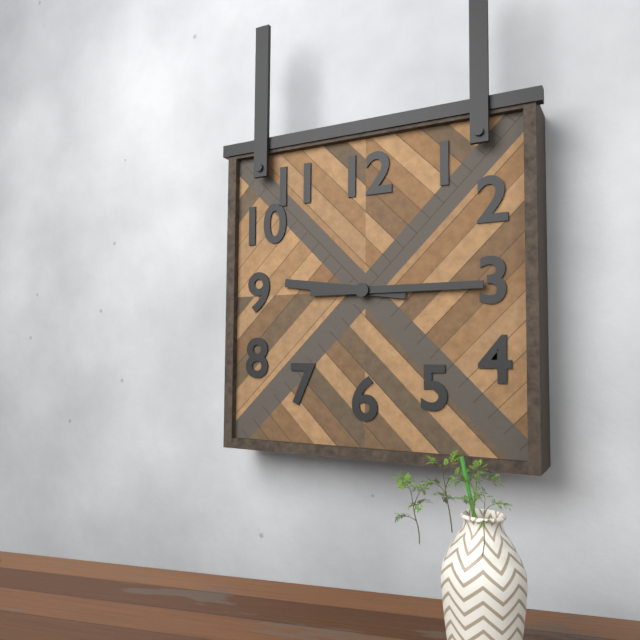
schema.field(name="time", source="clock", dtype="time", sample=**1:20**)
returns **9:15**
